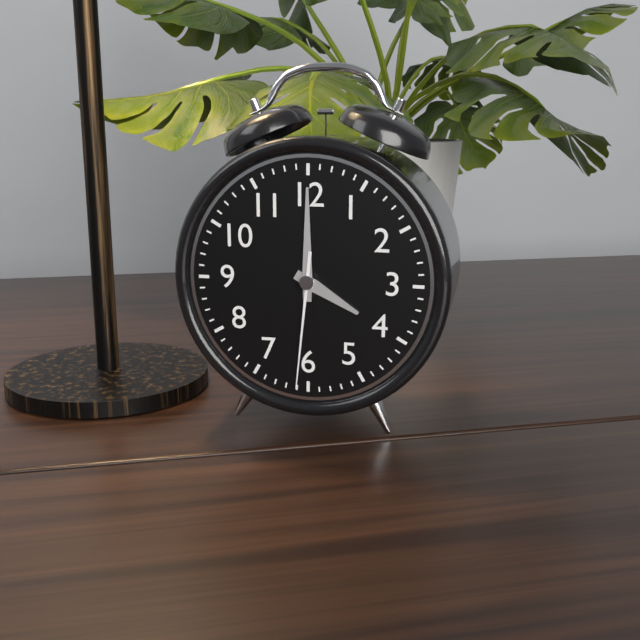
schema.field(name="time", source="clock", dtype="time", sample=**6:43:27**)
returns **4:00:31**
